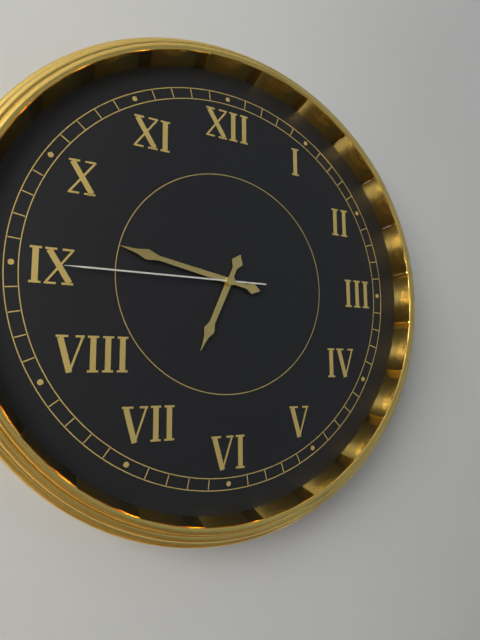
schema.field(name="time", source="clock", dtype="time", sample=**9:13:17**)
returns **6:47:45**
